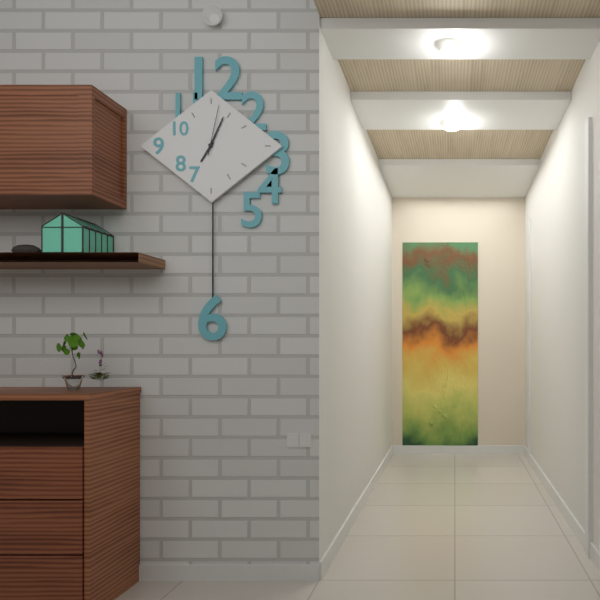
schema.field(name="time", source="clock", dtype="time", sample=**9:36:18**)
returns **7:04:02**
